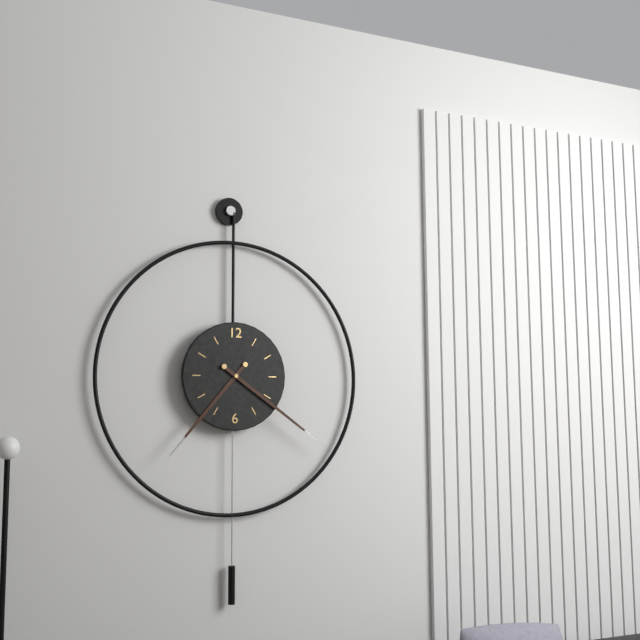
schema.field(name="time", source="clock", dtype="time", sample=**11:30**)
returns **7:21**
